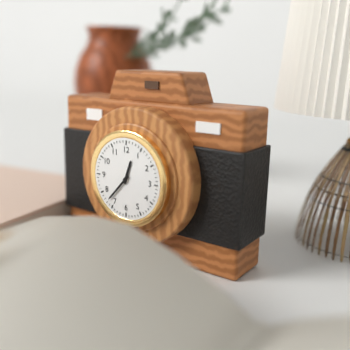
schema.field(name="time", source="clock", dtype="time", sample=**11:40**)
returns **12:37**
